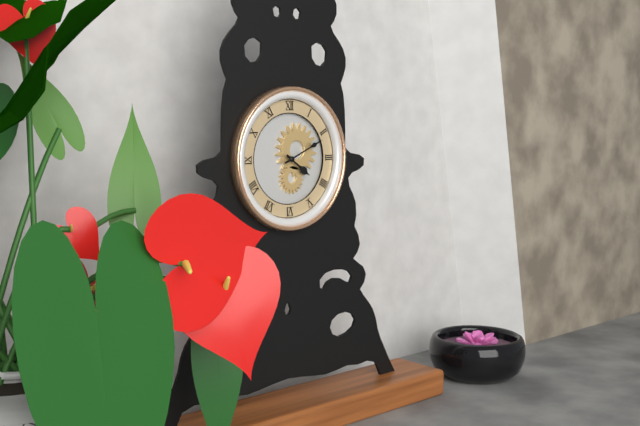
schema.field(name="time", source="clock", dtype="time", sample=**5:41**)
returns **4:11**
